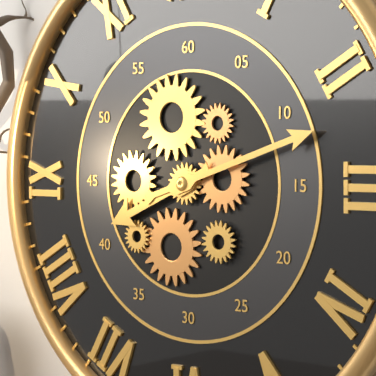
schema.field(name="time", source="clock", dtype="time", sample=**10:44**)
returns **8:12**
